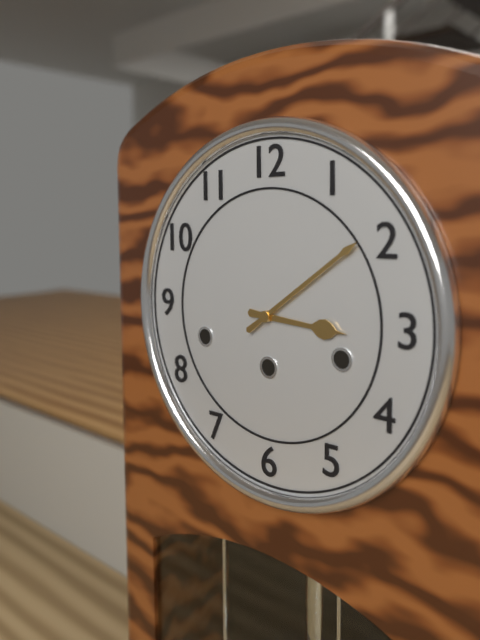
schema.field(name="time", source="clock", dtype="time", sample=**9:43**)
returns **3:09**
